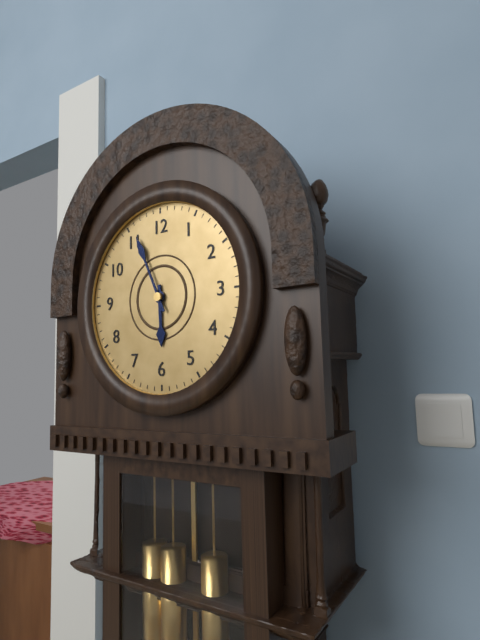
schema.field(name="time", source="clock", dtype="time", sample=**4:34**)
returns **5:56**
